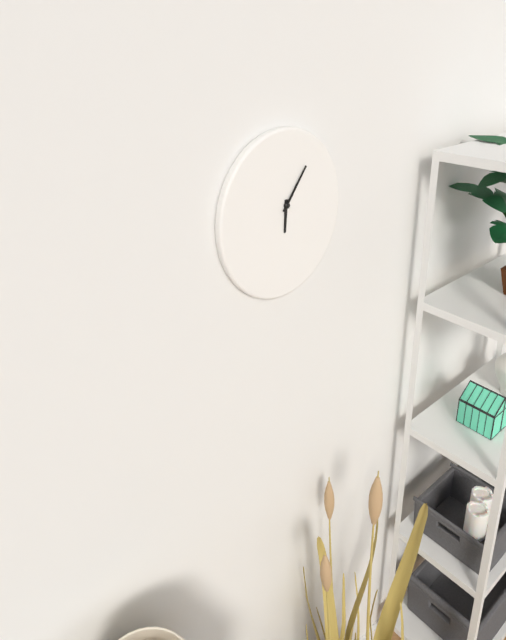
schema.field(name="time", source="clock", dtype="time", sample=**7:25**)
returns **6:06**
